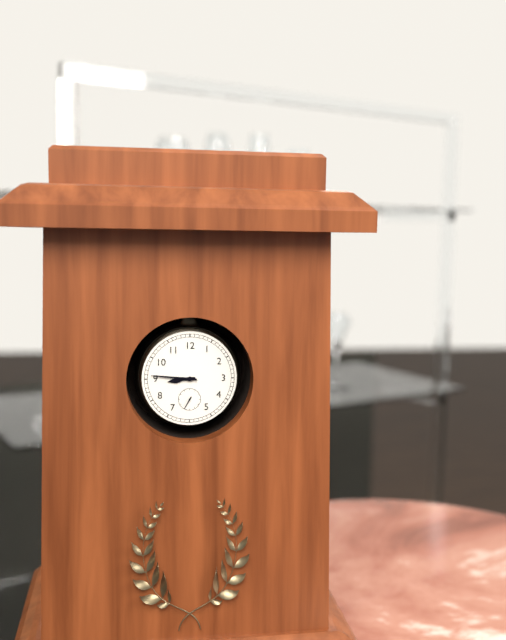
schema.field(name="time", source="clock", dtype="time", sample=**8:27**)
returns **8:46**
